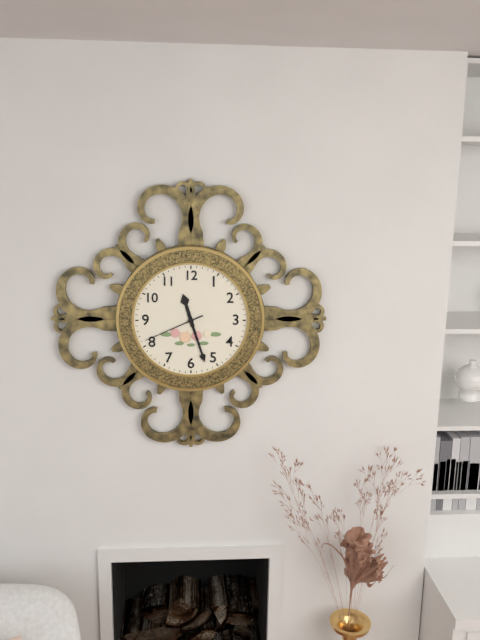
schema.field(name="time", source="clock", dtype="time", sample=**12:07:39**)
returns **11:27:41**
